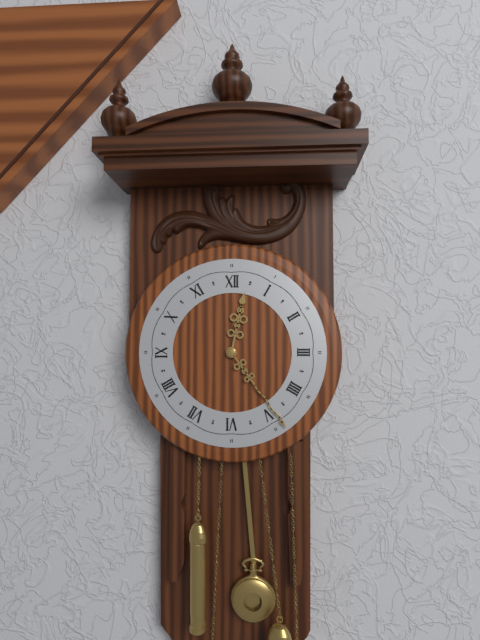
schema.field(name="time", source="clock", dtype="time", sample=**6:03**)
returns **12:24**
